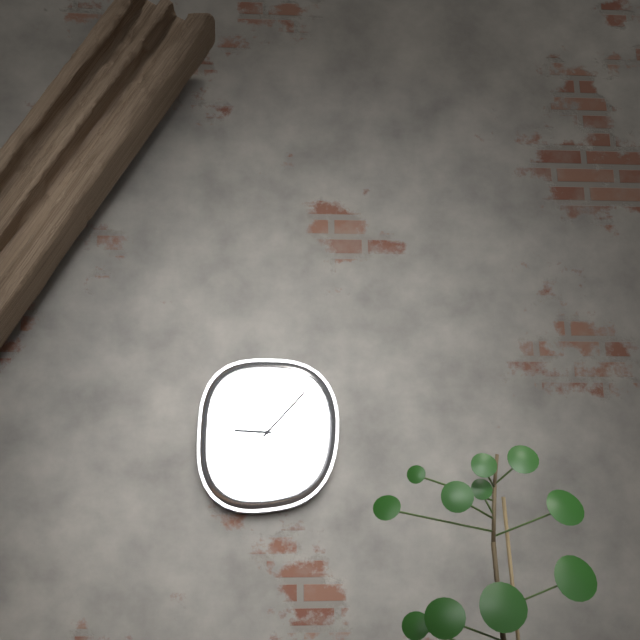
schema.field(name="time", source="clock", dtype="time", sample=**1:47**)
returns **9:07**
